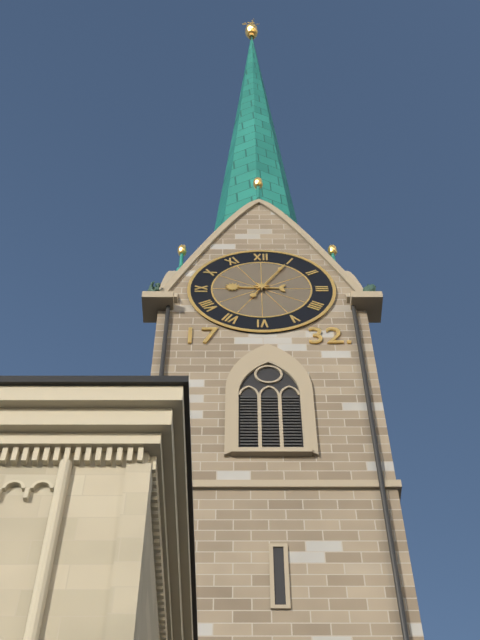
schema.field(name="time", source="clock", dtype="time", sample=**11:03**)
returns **9:05**
